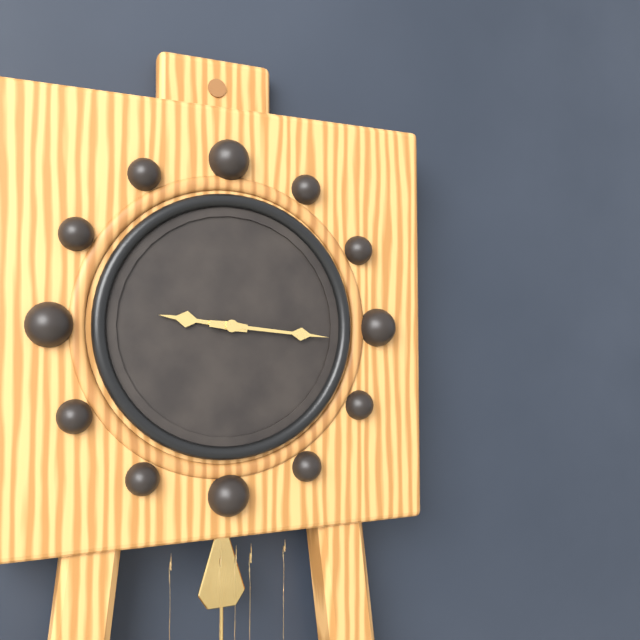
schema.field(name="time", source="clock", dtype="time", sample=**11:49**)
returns **9:16**
